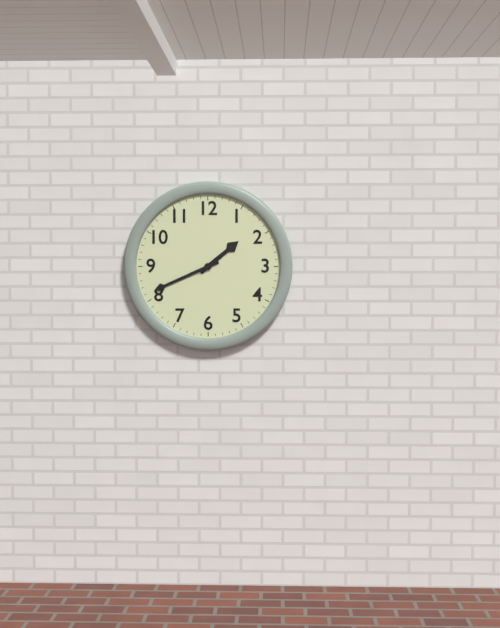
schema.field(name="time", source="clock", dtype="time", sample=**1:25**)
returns **1:41**
